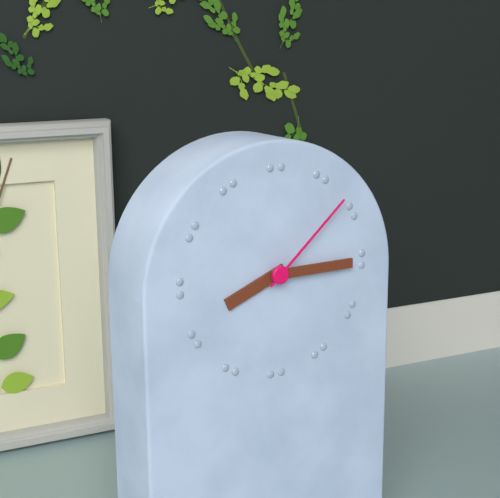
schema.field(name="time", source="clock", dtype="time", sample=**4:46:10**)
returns **8:15:08**
